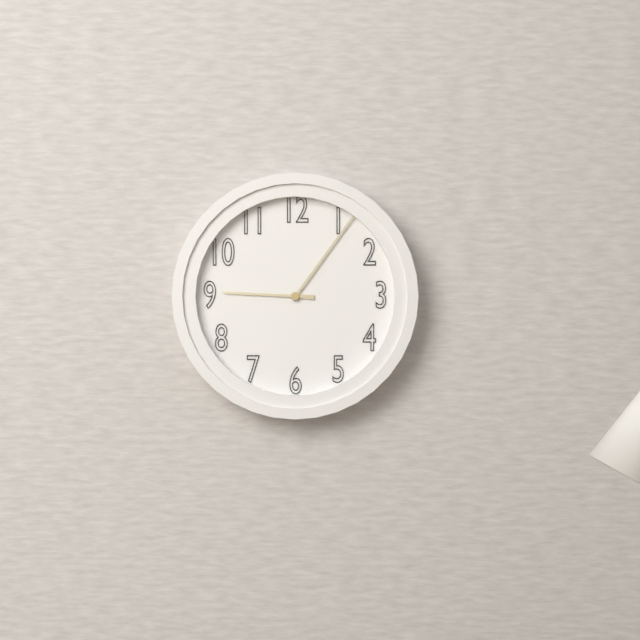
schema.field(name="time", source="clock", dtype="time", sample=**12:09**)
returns **9:06**
